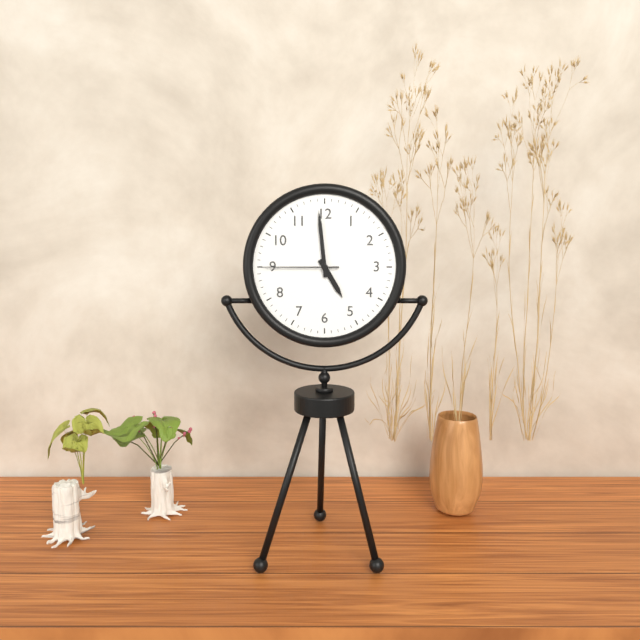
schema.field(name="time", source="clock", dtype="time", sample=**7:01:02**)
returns **4:59:45**
